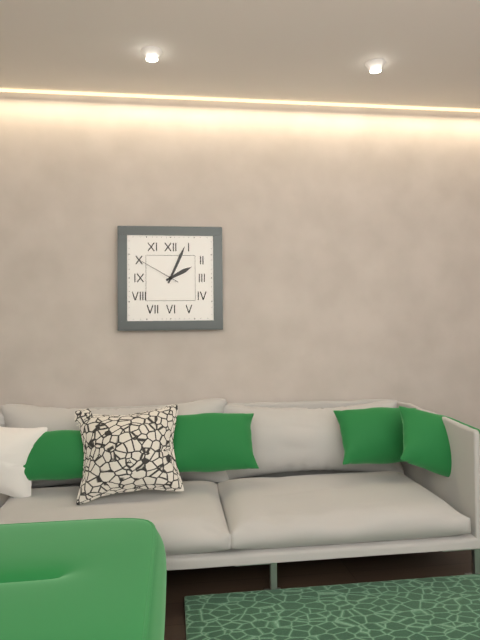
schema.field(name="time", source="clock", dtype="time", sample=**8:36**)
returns **2:04**
